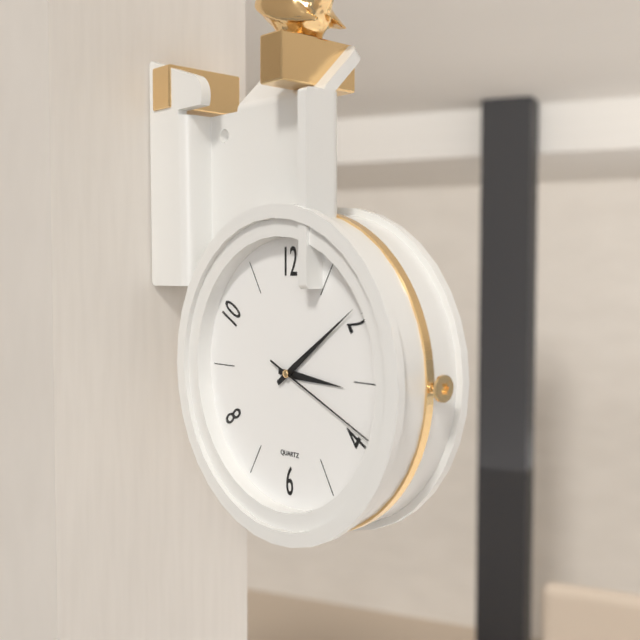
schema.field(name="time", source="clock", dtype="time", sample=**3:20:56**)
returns **3:09:19**
